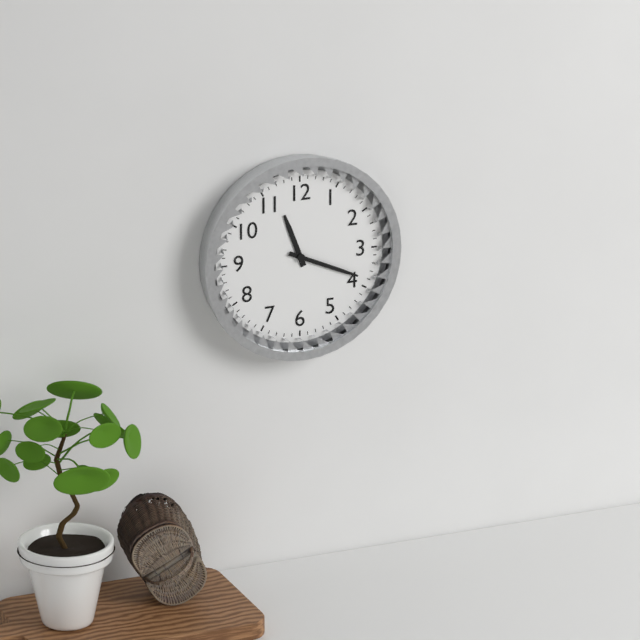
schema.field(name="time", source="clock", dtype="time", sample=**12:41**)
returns **11:19**
